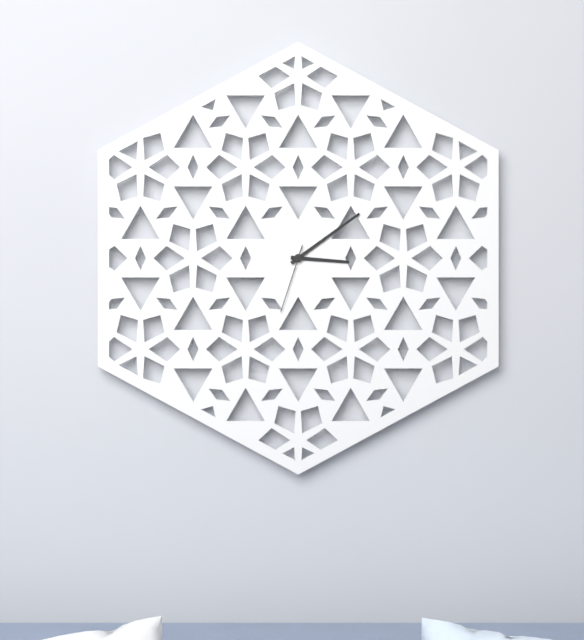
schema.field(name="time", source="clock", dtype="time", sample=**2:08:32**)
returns **3:09:33**
